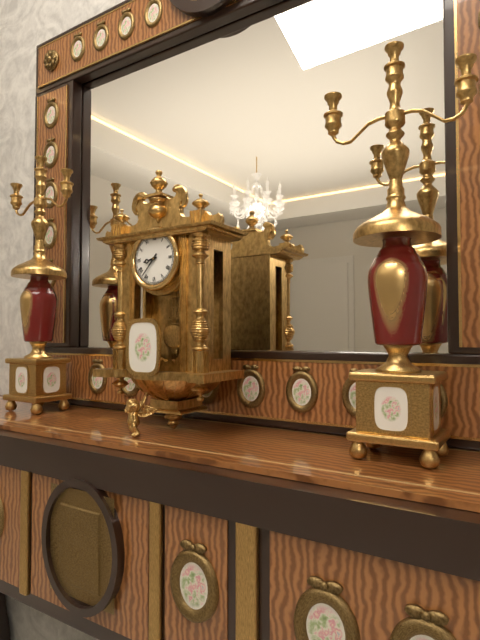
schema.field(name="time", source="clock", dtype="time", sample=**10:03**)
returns **8:37**
